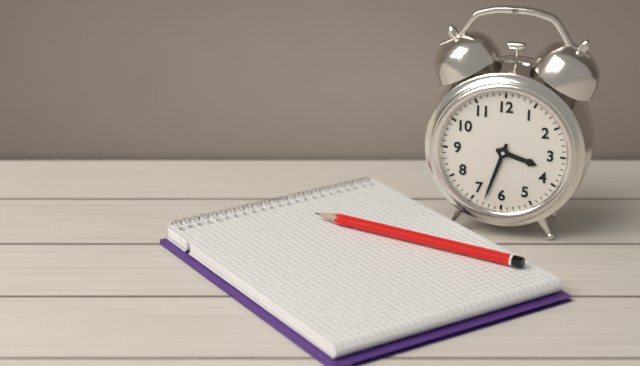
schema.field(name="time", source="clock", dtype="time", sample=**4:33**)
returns **3:33**
